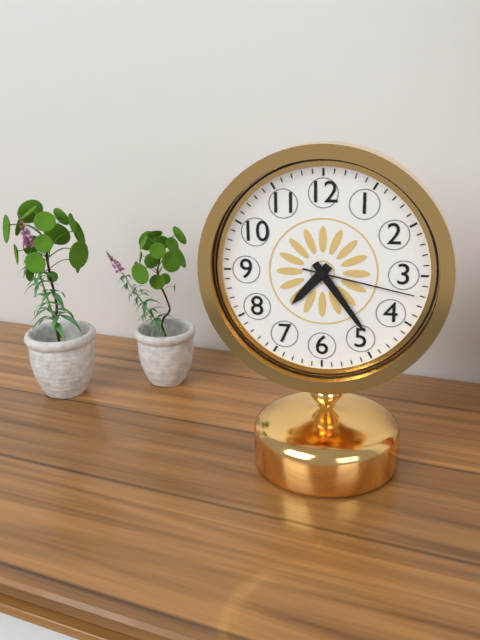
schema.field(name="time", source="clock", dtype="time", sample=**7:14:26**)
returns **7:24:17**
